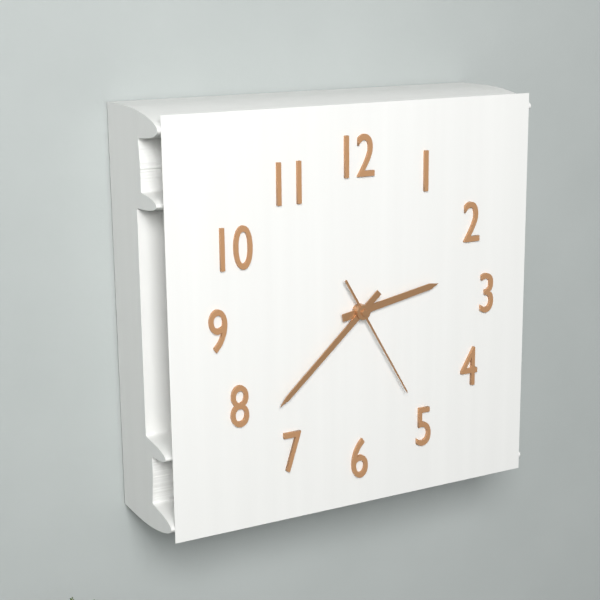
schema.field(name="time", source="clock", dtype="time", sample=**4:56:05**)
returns **2:38:25**
